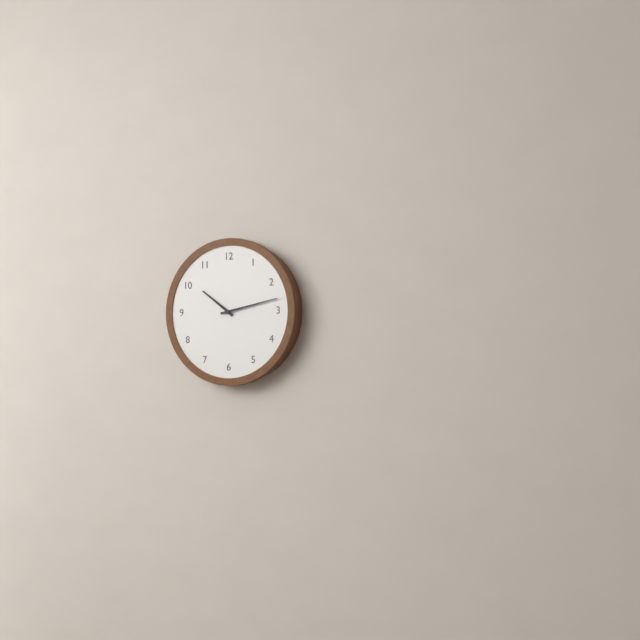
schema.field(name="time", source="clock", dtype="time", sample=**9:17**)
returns **10:13**
